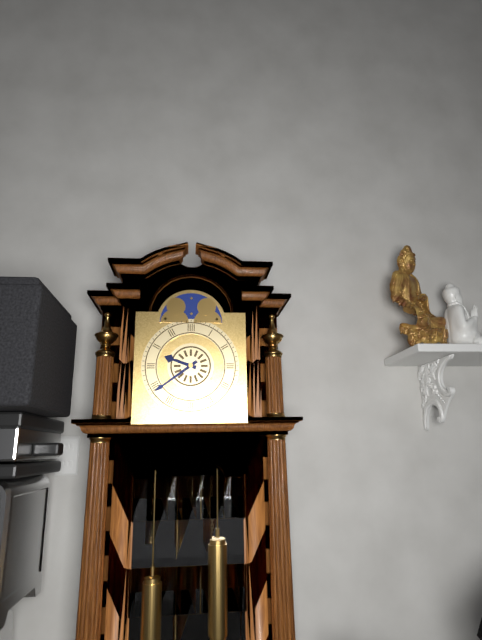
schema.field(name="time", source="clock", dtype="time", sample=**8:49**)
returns **9:39**
